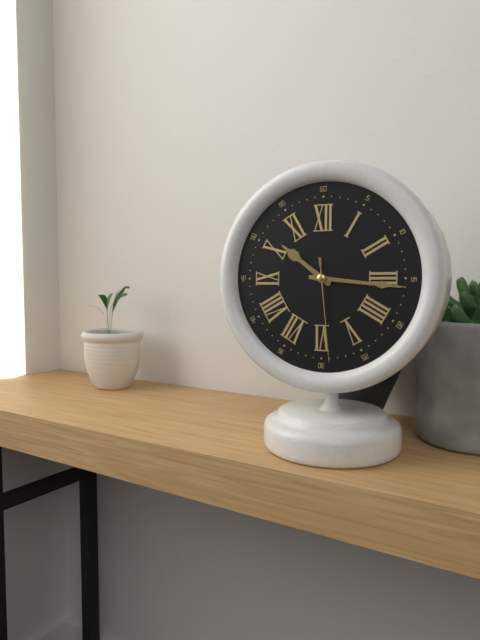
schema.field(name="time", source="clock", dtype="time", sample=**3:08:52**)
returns **10:16:29**
